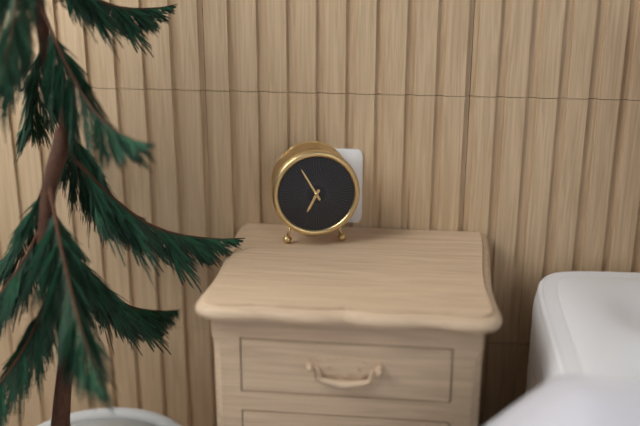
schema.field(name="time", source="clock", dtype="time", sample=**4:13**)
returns **6:55**
